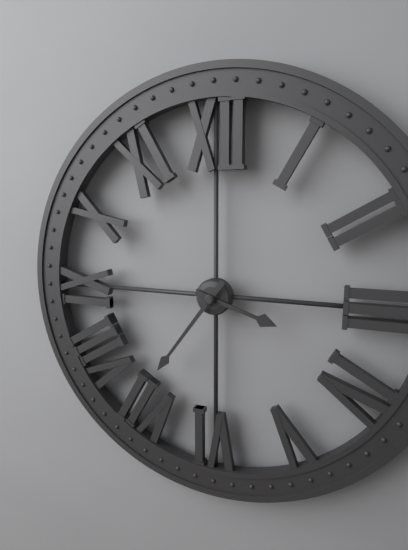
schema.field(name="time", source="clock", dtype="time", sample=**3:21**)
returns **3:36**
